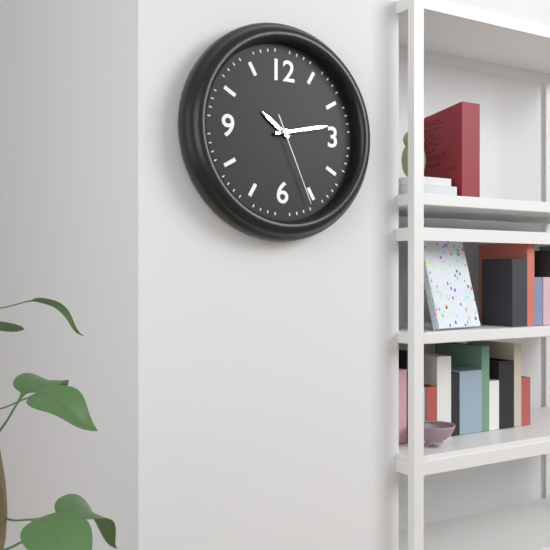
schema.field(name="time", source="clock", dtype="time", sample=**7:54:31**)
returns **10:13:26**
